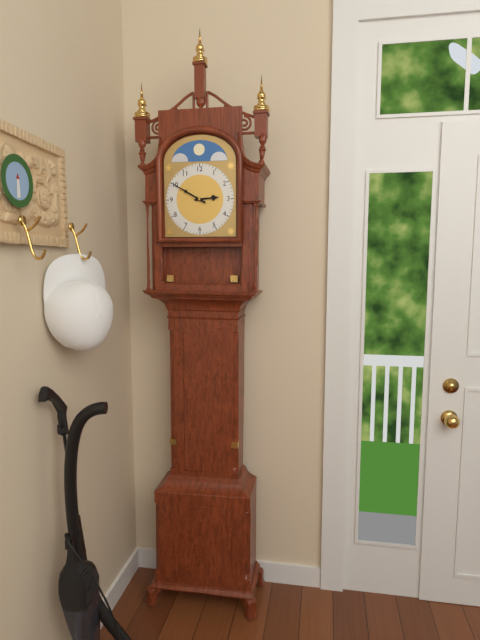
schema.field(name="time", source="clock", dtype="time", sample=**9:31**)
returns **2:50**
